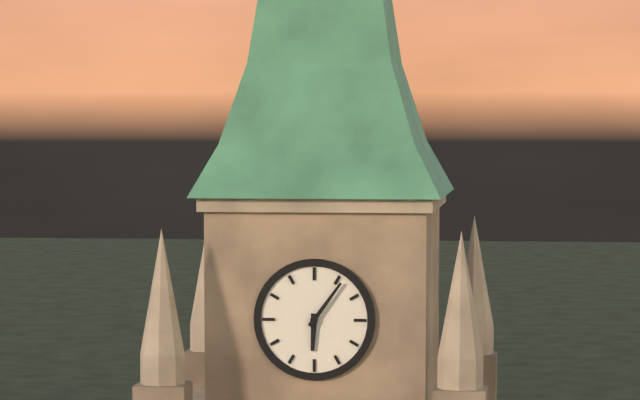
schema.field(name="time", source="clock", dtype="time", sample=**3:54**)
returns **6:06**
